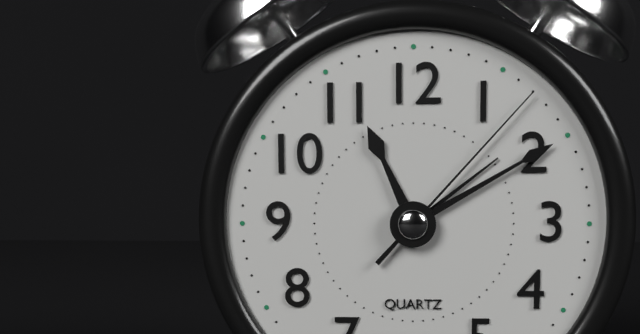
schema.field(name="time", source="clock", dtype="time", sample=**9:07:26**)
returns **11:10:07**
